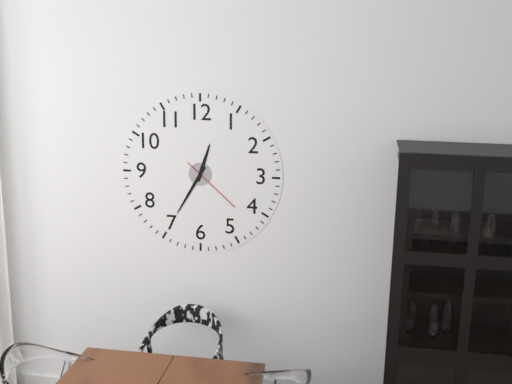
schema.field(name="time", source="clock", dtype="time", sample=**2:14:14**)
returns **12:35:22**
